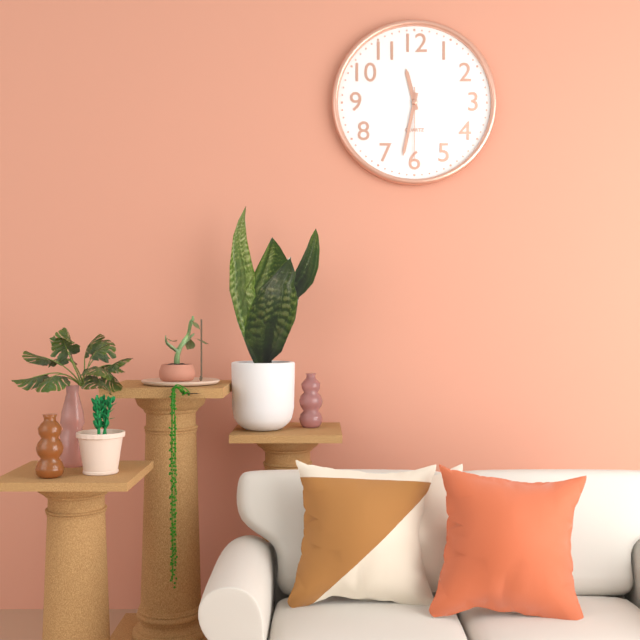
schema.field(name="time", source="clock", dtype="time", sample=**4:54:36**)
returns **11:32:30**
